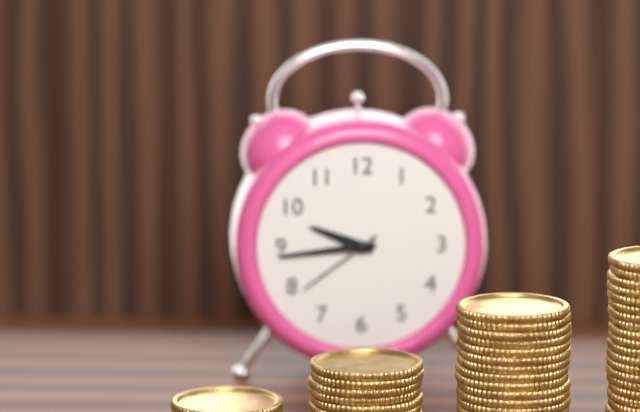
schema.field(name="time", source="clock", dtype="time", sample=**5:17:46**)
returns **9:44:39**
